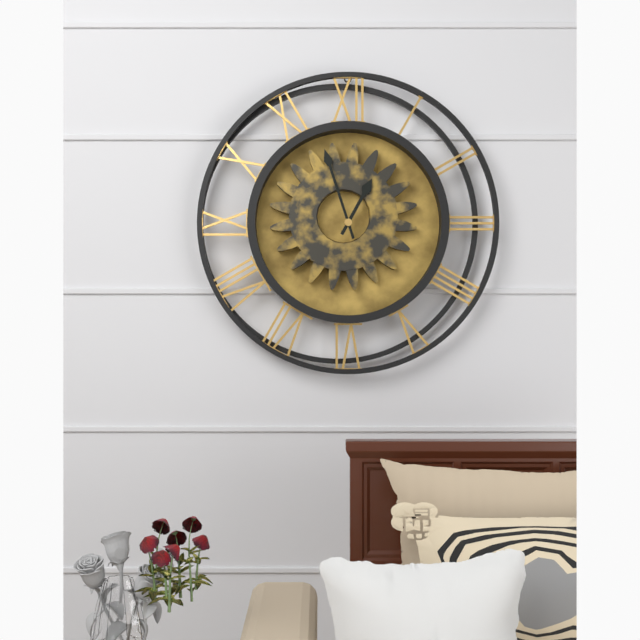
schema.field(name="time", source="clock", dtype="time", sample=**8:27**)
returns **12:57**
